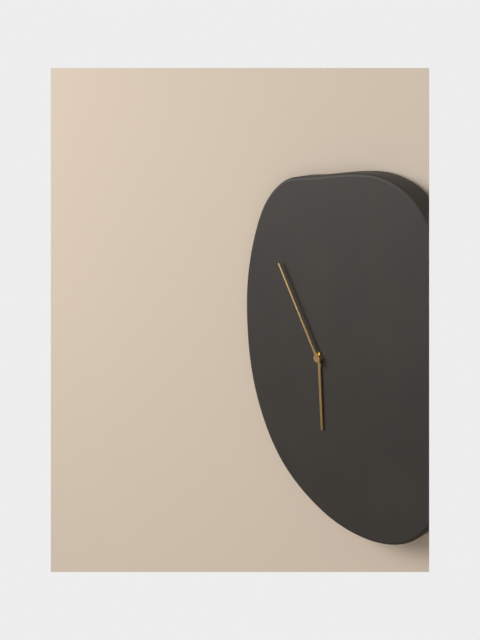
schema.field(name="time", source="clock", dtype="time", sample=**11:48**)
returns **5:55**
